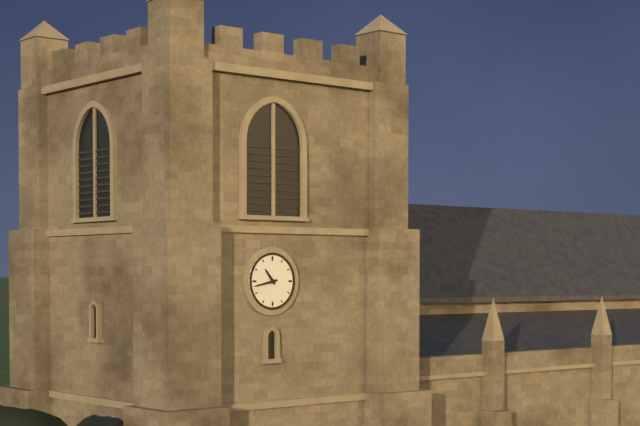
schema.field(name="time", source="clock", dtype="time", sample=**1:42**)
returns **10:43**
